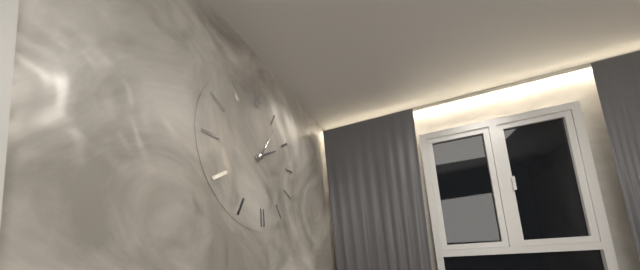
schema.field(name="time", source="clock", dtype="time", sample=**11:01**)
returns **2:06**
